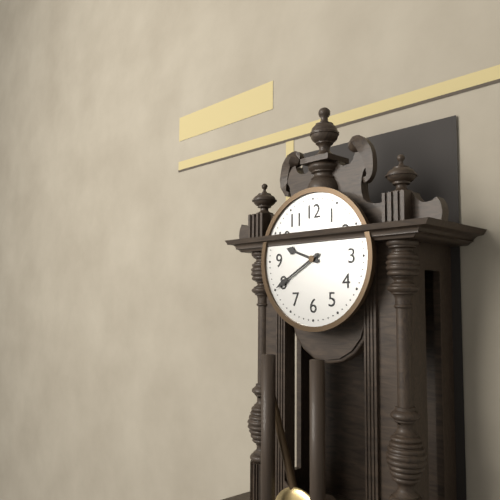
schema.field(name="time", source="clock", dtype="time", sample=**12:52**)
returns **9:40**
